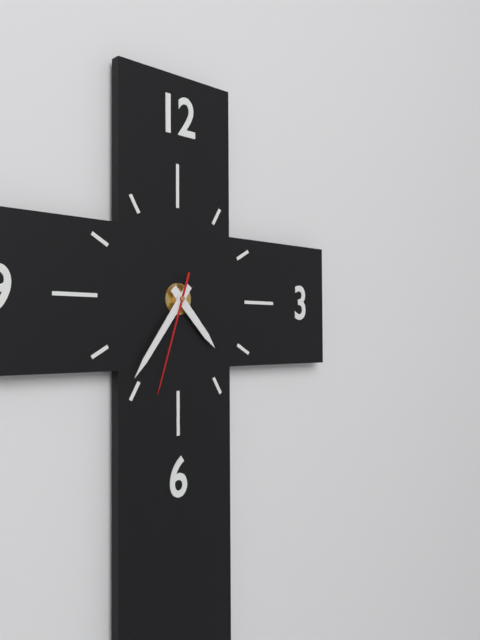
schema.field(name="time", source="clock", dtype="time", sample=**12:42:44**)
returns **4:36:33**
